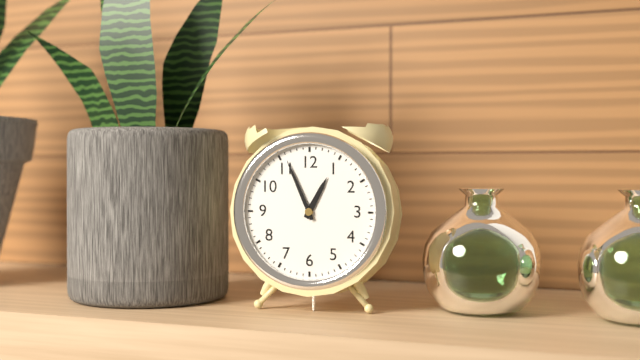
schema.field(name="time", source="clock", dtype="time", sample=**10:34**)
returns **12:56**
